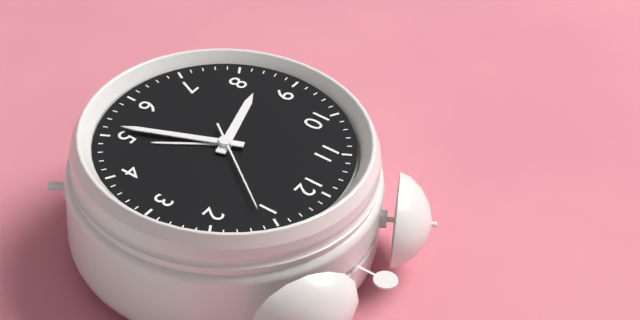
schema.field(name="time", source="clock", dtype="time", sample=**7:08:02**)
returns **8:26:06**
